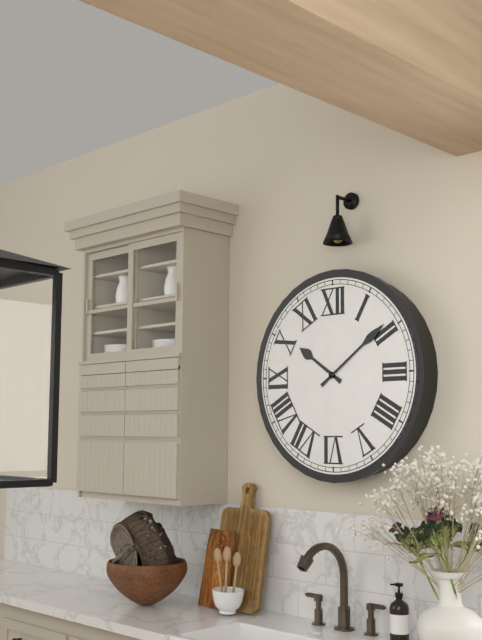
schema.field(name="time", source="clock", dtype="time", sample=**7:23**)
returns **10:09**
